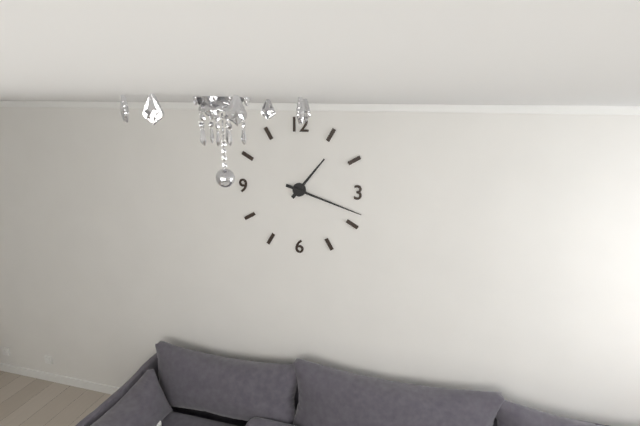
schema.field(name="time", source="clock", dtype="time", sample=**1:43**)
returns **1:18**
